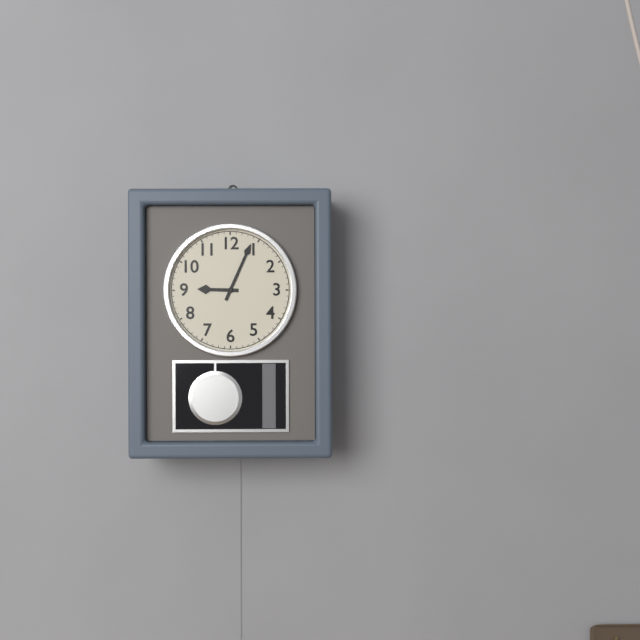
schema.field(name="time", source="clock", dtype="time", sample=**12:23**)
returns **9:04**
